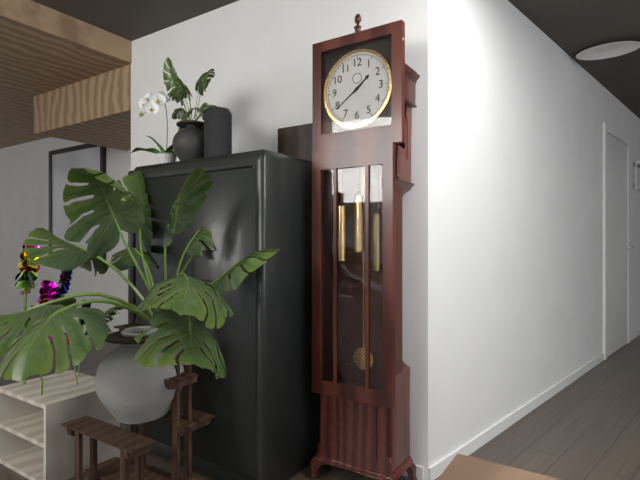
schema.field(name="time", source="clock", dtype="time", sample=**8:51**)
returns **1:39**
